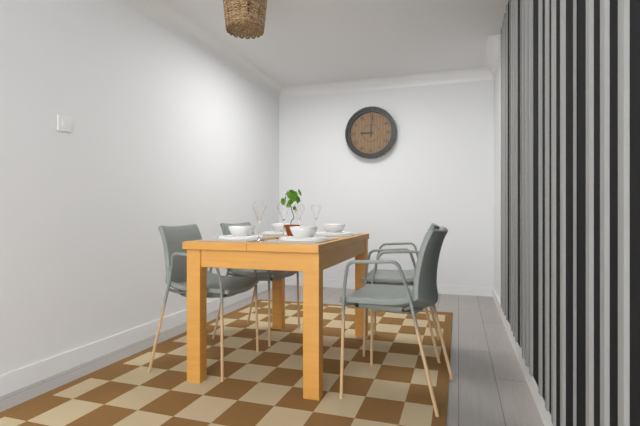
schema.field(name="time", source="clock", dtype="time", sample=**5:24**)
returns **9:01**
